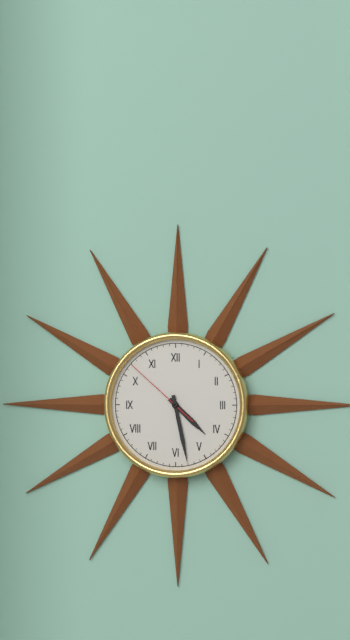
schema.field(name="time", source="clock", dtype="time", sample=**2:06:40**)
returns **4:28:52**
